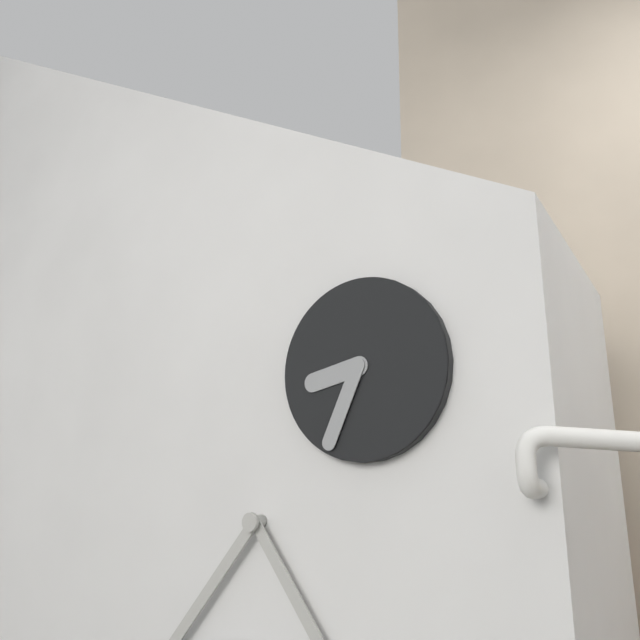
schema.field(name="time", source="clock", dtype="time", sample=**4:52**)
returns **8:34**
